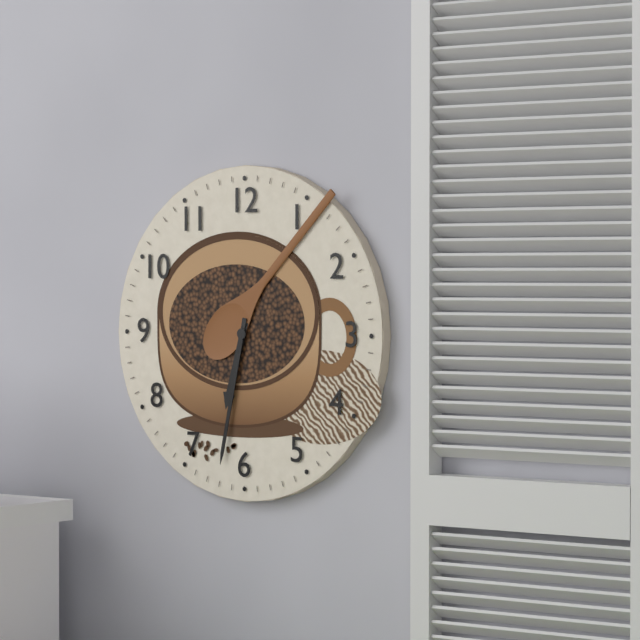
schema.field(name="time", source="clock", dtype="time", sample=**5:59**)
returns **6:32**
